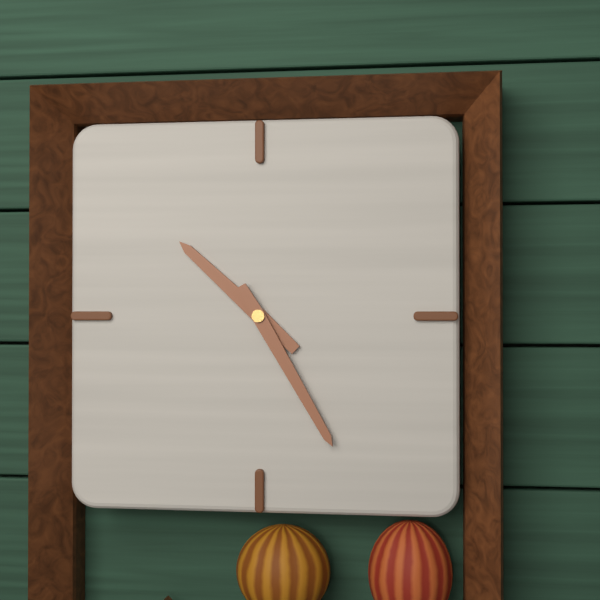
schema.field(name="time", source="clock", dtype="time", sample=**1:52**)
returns **10:25**
